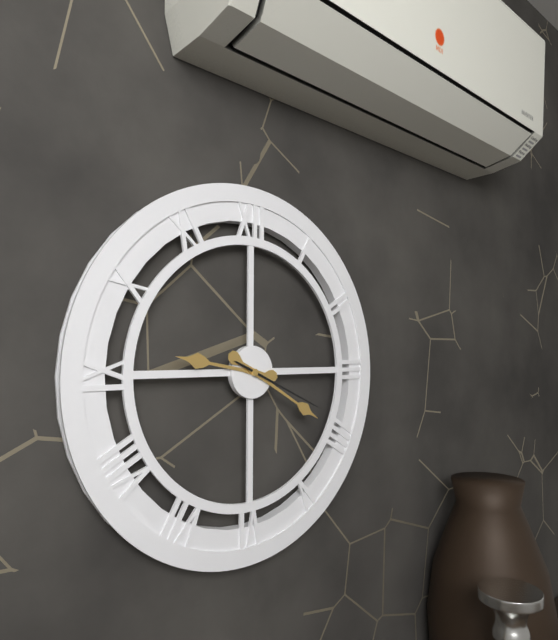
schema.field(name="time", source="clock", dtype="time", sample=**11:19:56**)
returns **9:20:19**
